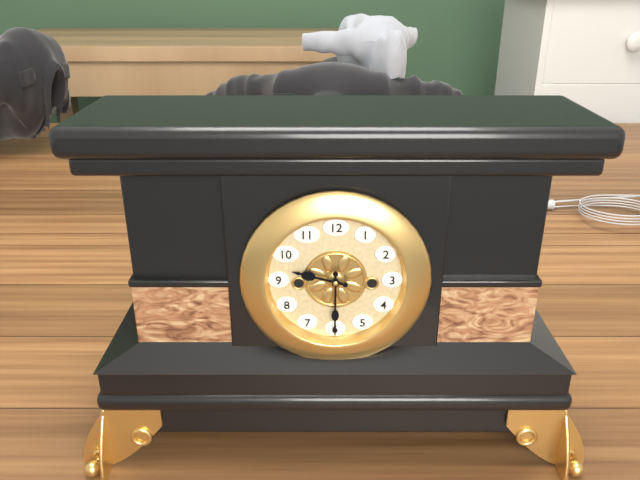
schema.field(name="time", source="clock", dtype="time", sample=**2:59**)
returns **9:30**
